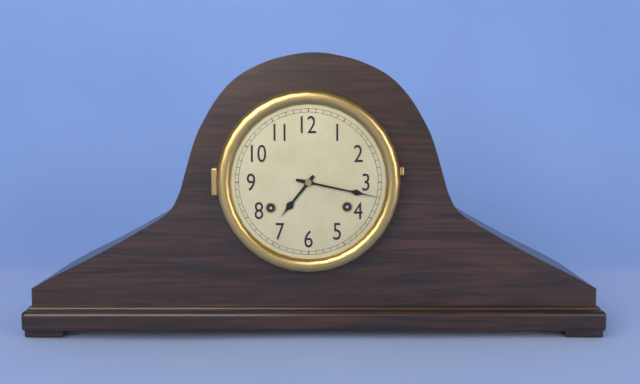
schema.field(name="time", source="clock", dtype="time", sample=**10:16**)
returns **7:17**
